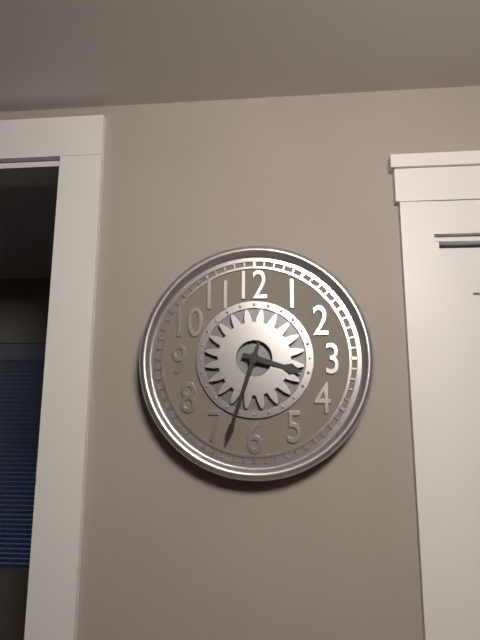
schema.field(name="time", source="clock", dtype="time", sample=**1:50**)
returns **3:33**
